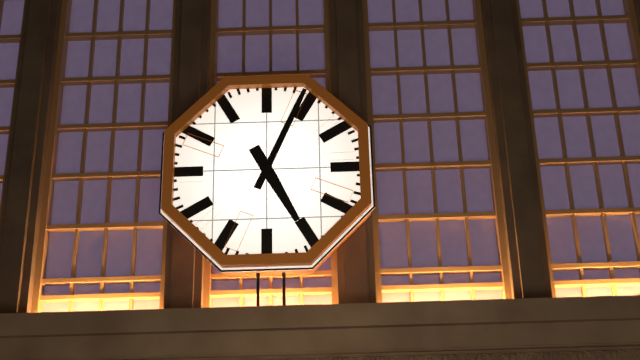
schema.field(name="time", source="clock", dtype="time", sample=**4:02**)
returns **5:04**
